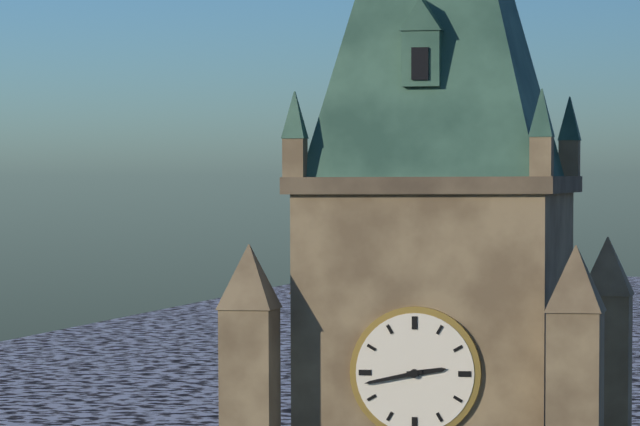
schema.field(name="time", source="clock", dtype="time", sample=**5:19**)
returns **2:43**
